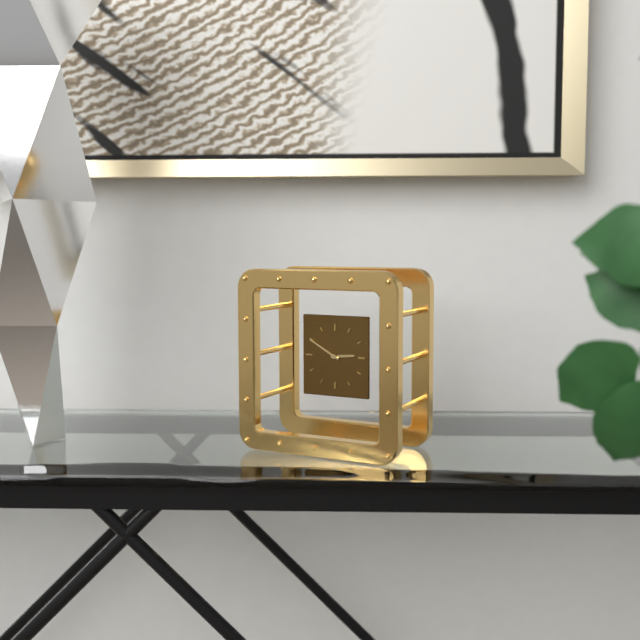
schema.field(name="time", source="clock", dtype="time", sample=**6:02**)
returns **2:50**
